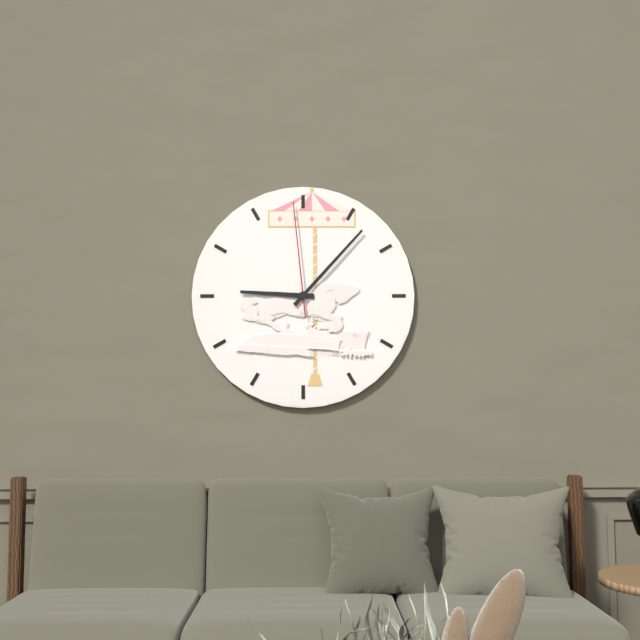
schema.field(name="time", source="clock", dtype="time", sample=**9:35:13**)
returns **9:07:59**
